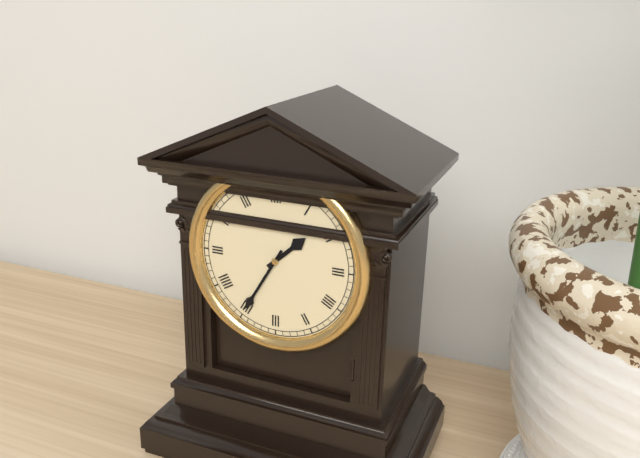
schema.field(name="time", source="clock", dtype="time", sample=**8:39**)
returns **1:35**
